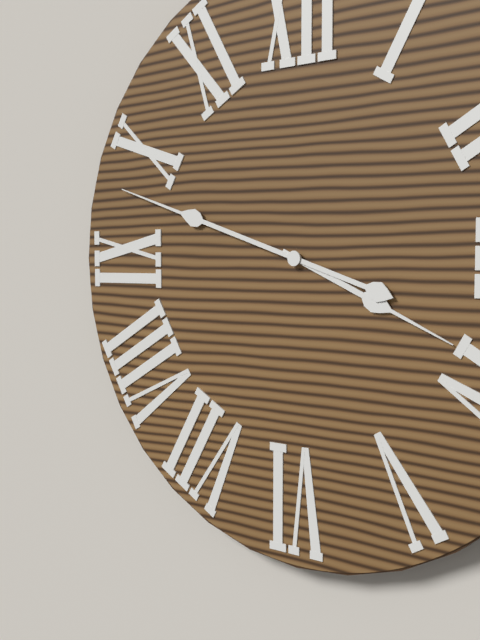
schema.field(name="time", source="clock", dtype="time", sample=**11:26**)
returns **3:48**
